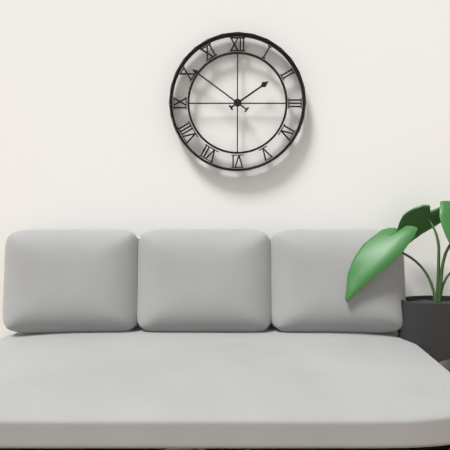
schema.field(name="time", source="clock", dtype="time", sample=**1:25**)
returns **1:51**
